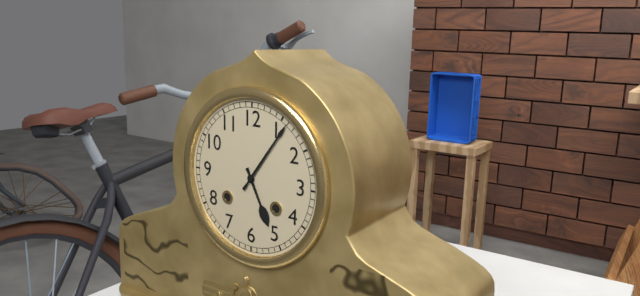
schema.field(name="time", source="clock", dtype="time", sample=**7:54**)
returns **5:06**
